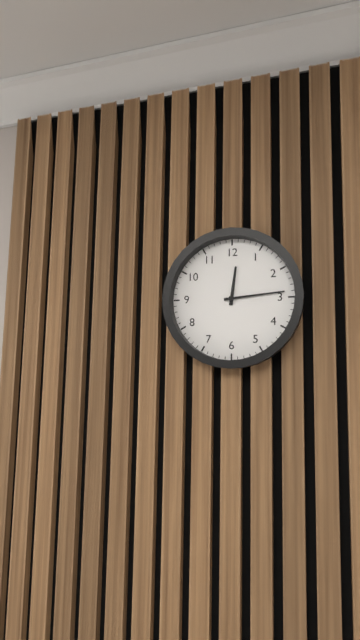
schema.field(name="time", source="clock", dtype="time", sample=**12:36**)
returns **12:14**
